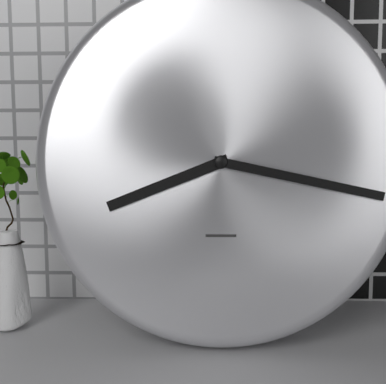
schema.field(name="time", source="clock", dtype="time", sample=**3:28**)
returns **8:17**
